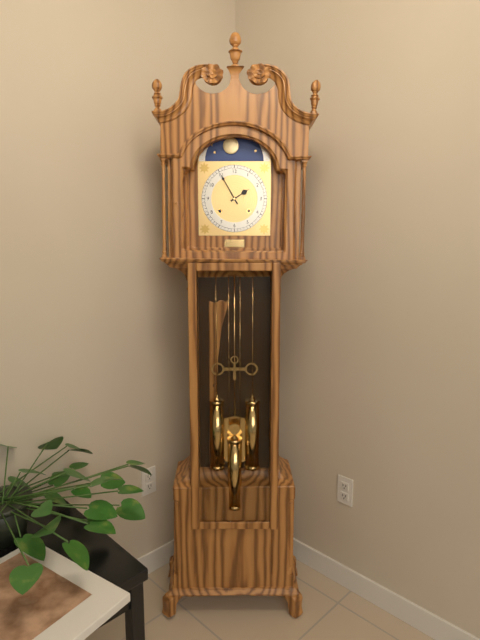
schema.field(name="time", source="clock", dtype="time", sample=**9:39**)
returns **1:55**
